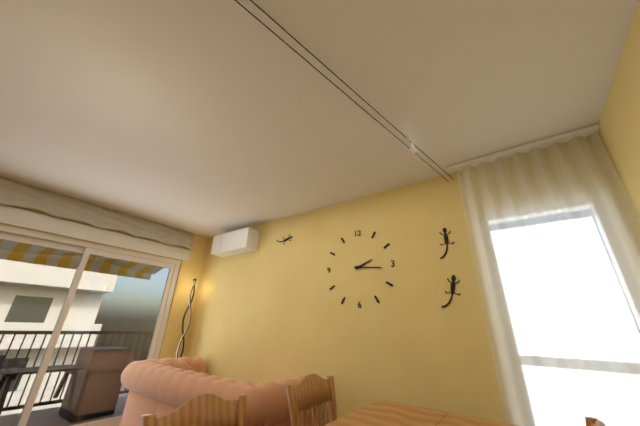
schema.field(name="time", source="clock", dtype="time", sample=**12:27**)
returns **2:16**
